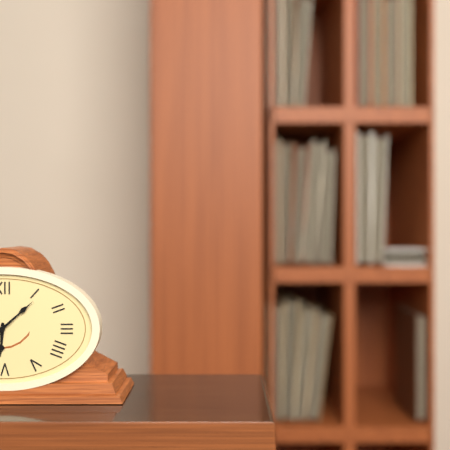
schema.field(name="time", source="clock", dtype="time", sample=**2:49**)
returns **6:08**
